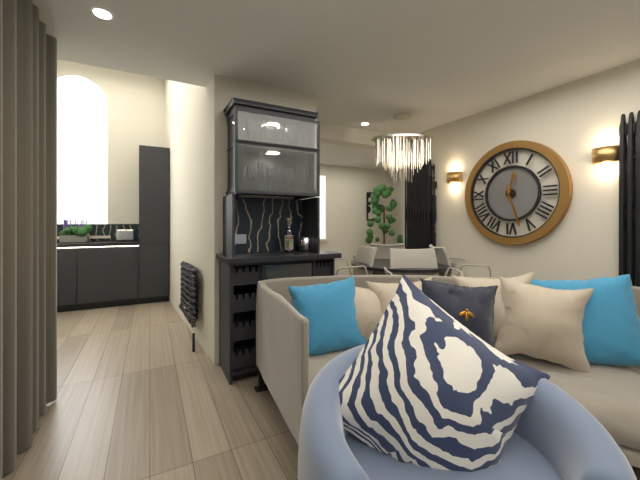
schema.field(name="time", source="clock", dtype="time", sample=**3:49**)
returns **12:27**
